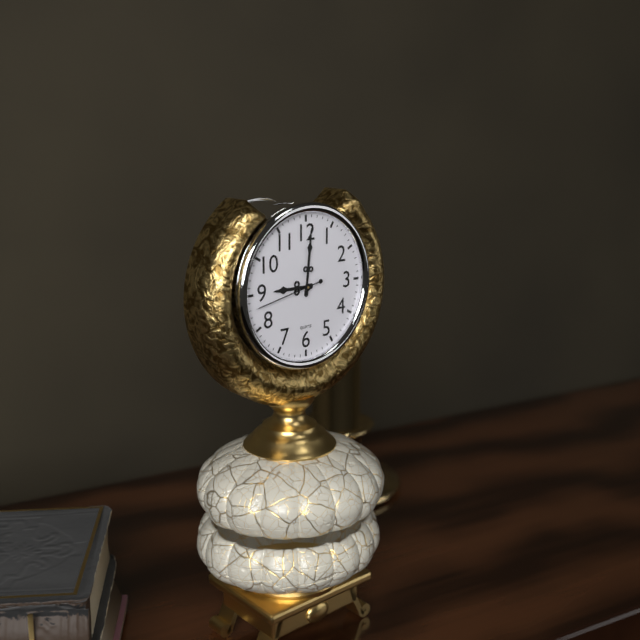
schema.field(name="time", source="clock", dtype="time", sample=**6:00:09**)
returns **9:01:43**
